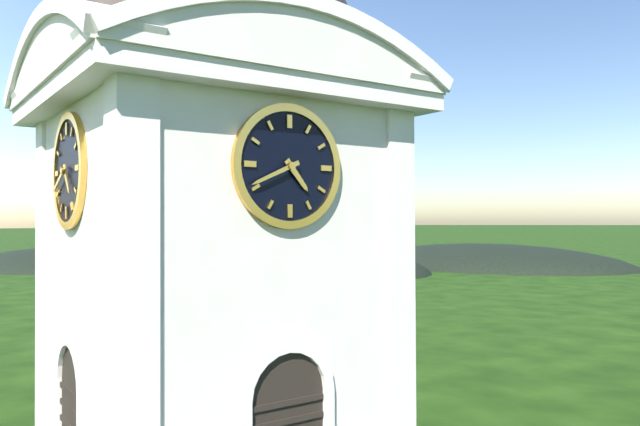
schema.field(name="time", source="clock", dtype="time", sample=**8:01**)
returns **4:41**
